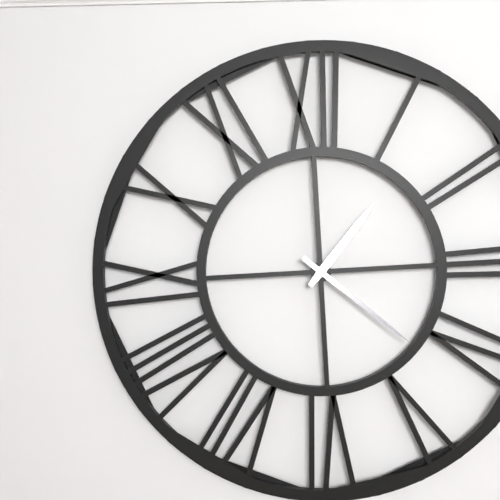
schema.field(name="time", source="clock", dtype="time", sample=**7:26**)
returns **1:22**
